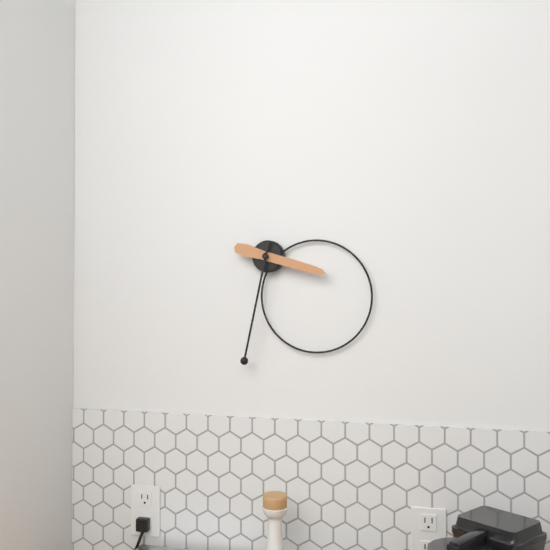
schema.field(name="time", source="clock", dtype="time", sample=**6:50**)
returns **3:32**
